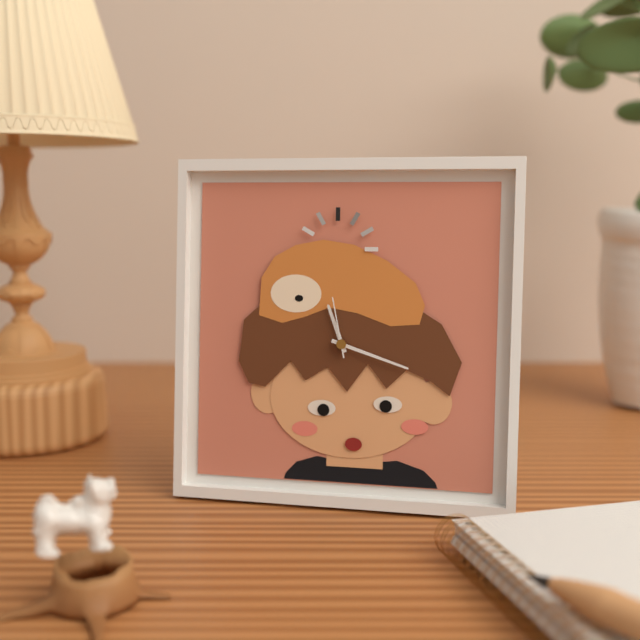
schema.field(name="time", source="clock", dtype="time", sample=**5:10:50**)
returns **11:18:58**
